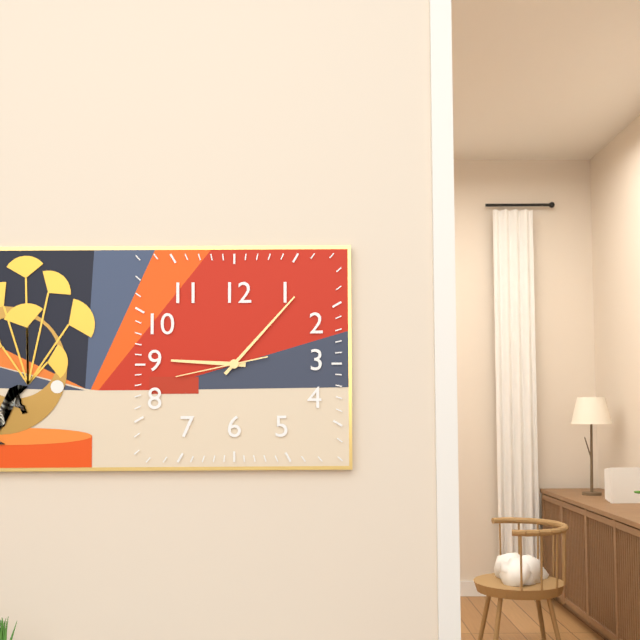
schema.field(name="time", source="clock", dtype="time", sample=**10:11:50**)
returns **9:07:43**
